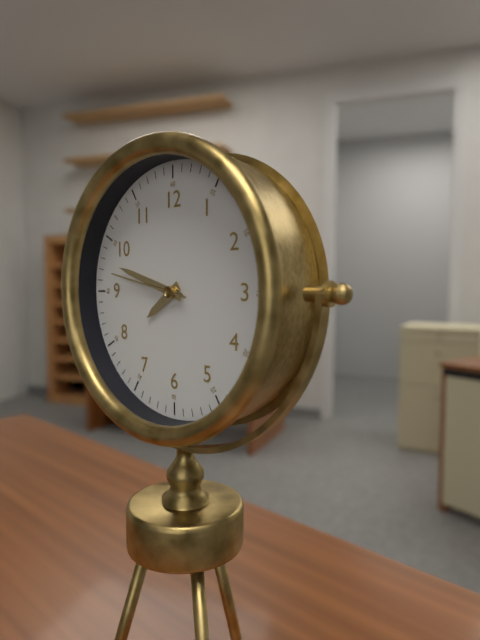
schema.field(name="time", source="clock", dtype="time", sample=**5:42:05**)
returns **7:48:47**
